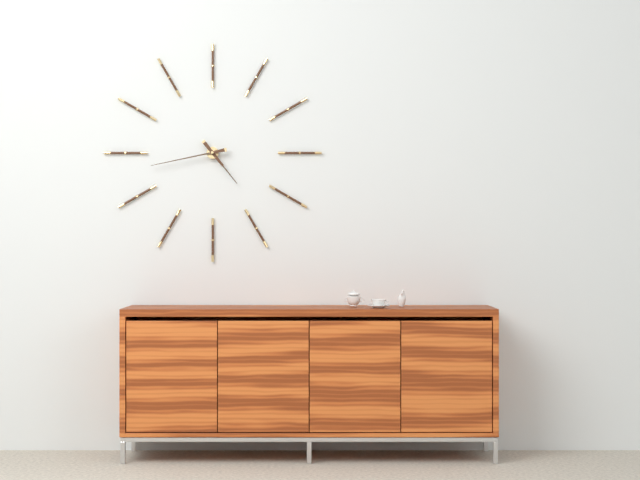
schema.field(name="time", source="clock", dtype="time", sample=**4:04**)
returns **4:43**
